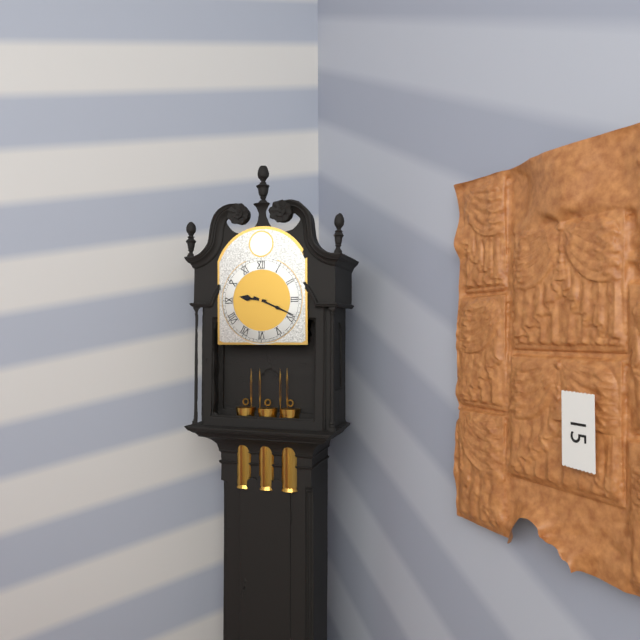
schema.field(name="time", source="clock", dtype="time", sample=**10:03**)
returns **9:19**
